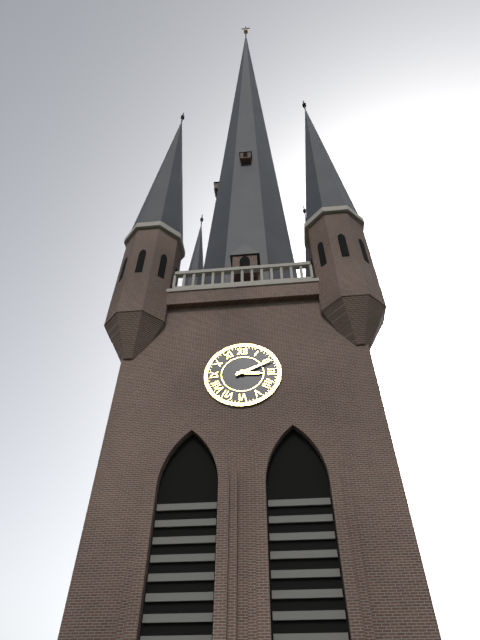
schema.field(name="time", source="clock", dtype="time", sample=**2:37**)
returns **3:11**
